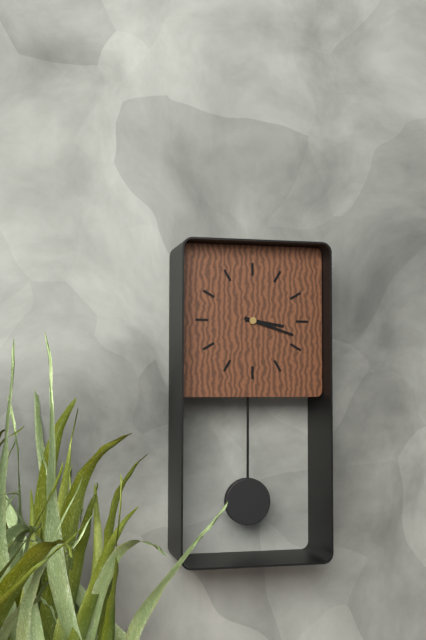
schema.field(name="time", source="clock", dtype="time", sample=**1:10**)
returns **3:18**
